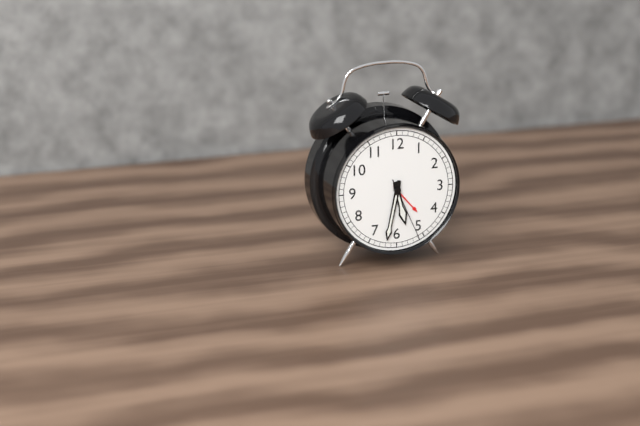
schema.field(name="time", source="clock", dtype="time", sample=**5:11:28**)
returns **5:32:26**
